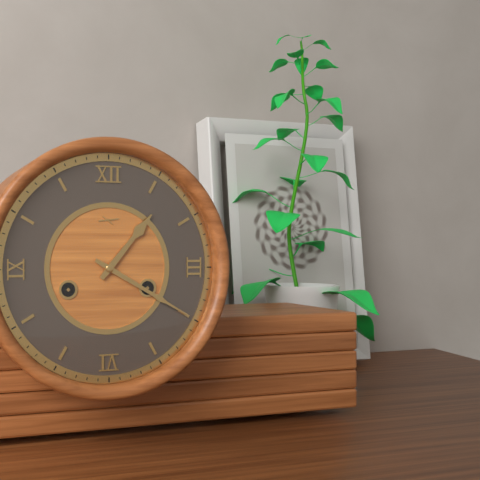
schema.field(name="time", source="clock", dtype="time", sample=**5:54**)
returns **1:20**
